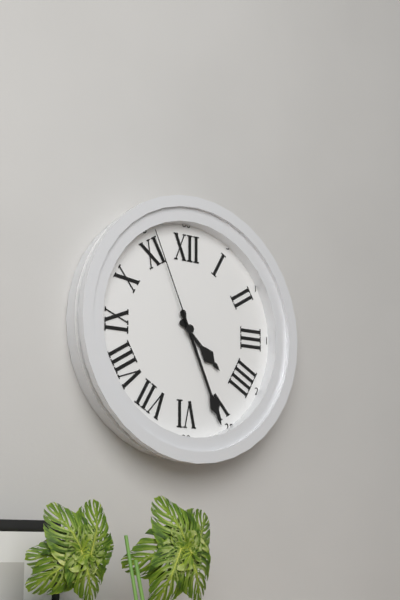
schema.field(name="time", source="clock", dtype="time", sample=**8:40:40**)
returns **4:26:56**
